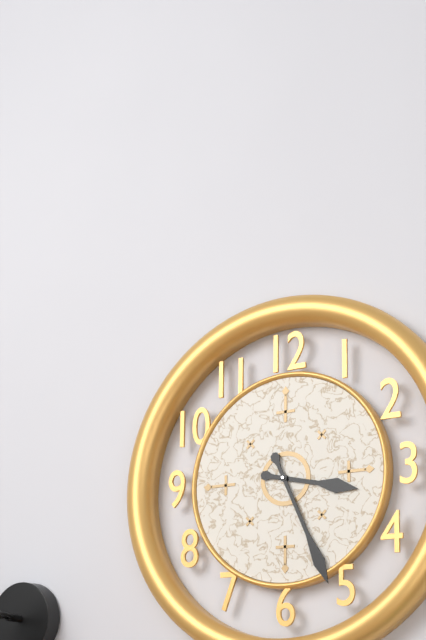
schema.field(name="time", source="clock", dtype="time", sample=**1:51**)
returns **3:26**
